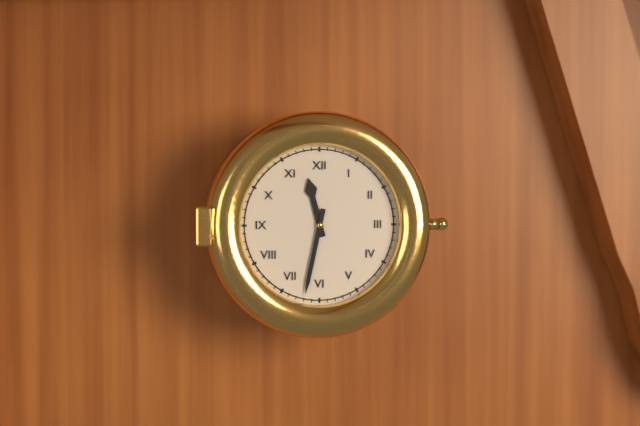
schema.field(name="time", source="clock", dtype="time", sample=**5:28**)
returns **11:32**
